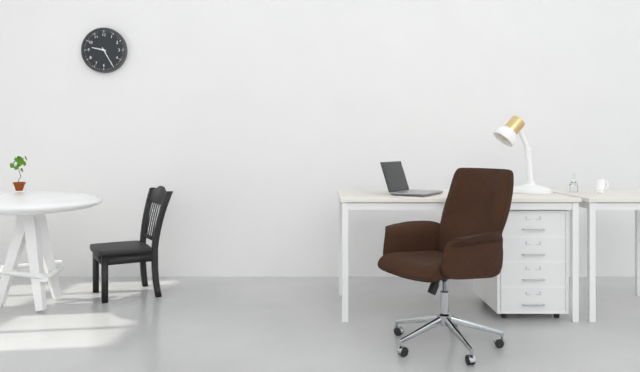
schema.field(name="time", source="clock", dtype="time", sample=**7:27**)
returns **9:25**
